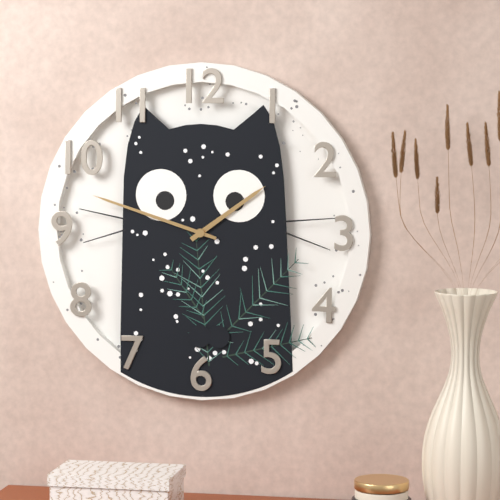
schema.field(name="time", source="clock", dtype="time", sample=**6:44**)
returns **1:48**
